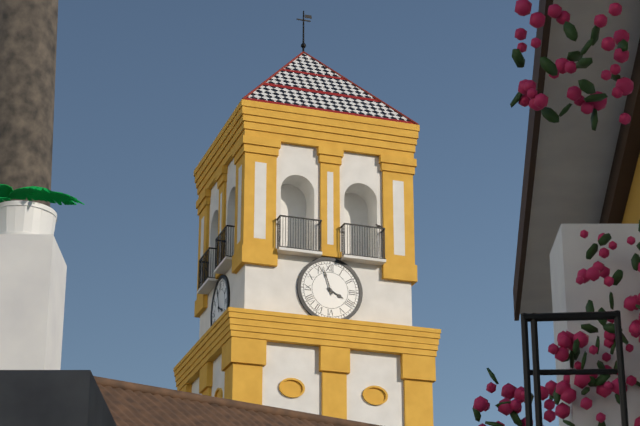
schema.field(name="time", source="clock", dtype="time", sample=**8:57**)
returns **3:57**
